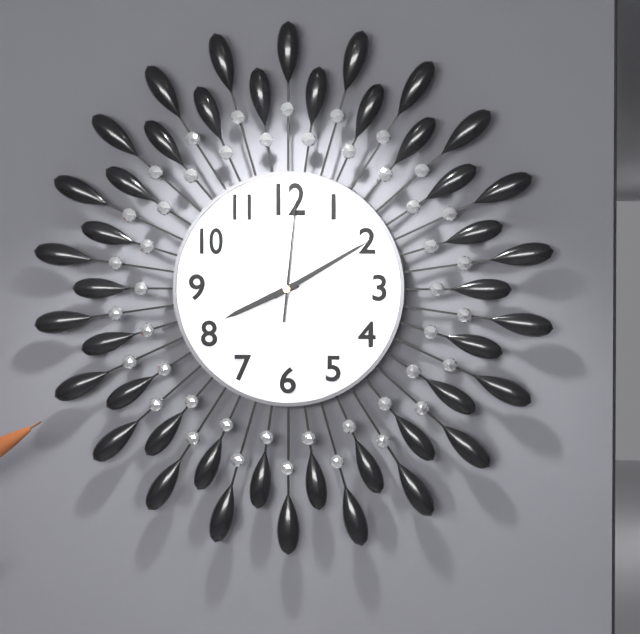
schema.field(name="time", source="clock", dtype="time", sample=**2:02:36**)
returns **8:10:01**
